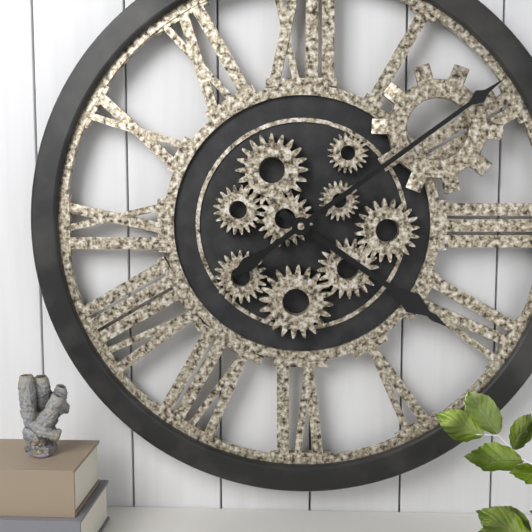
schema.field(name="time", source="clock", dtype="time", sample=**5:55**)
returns **4:09**
